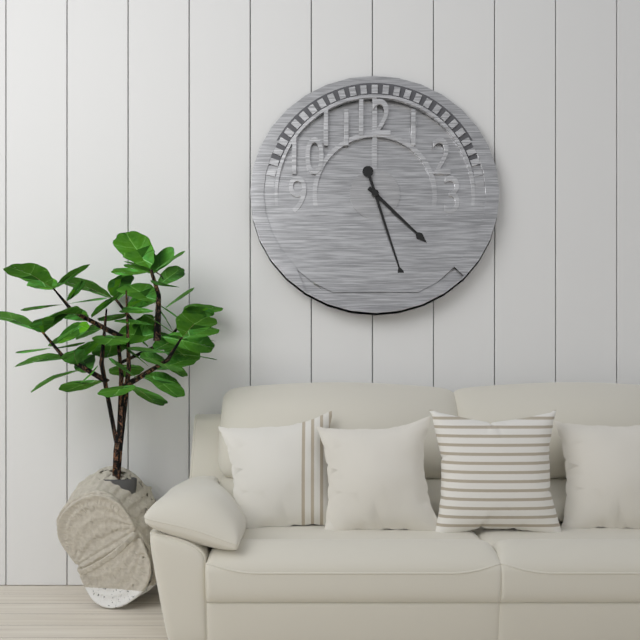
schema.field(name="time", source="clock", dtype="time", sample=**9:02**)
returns **4:27**
